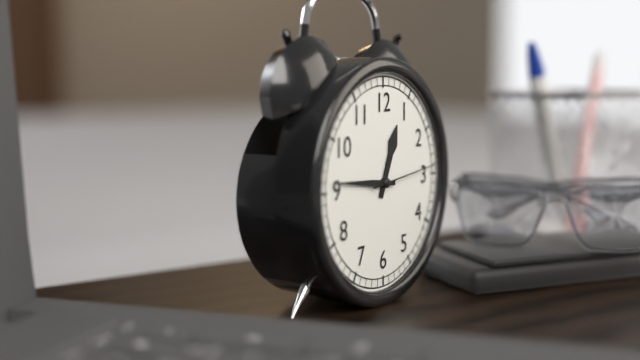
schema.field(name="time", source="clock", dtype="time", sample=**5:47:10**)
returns **12:46:14**
